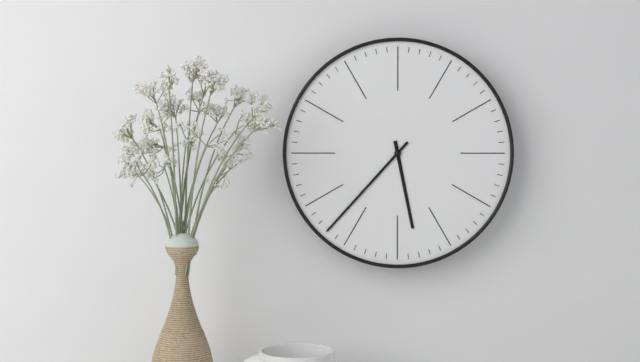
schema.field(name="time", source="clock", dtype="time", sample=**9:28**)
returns **5:37**
